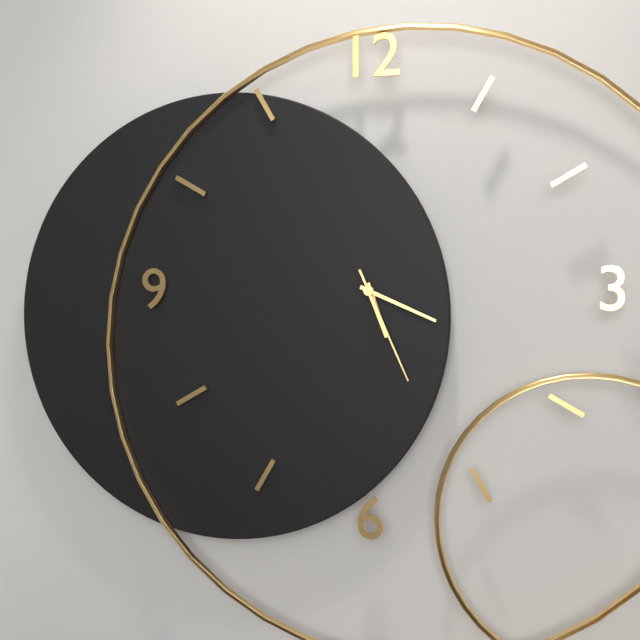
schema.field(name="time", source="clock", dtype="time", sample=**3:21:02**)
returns **5:19:26**
